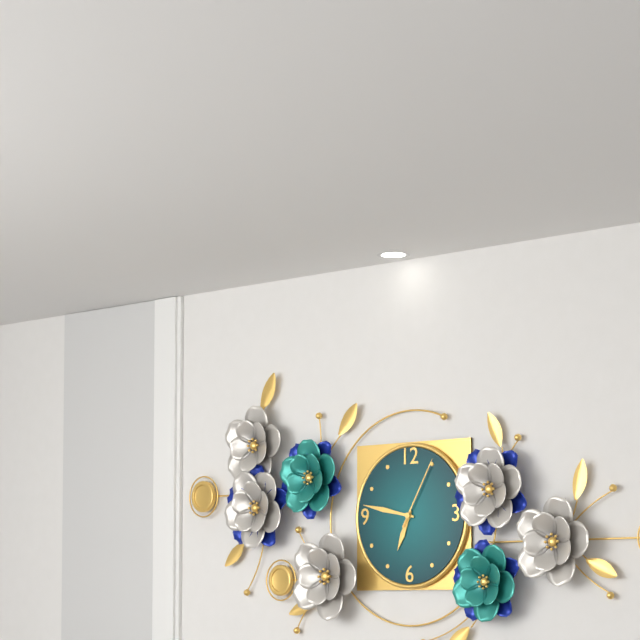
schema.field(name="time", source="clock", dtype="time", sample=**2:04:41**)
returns **6:47:05**
